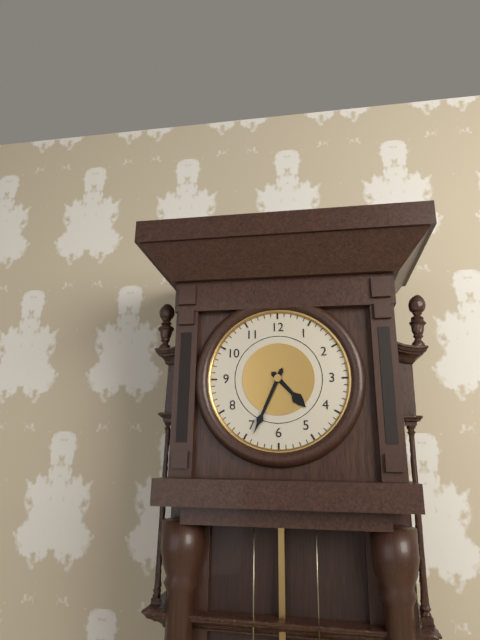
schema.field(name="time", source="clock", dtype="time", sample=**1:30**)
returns **4:34**
